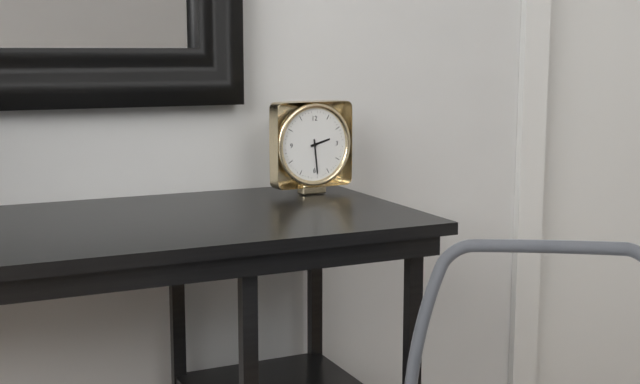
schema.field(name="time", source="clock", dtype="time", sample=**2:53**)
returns **2:29**
